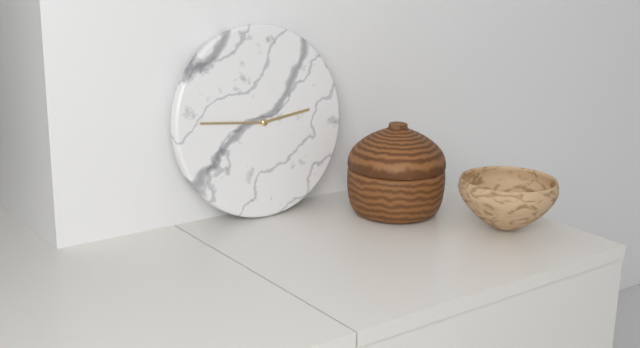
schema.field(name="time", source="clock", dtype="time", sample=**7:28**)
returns **2:46**
